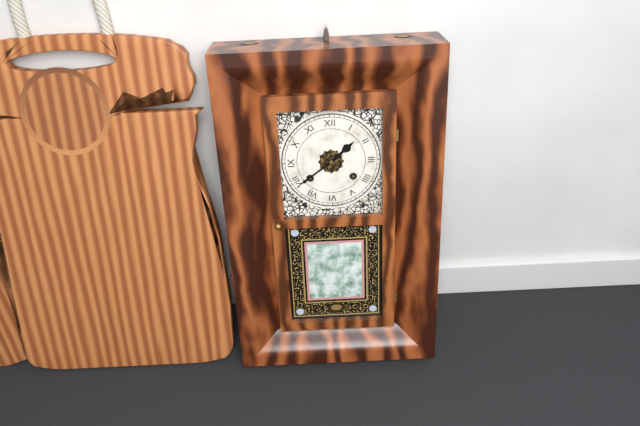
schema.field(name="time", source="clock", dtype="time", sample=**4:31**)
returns **1:39**
